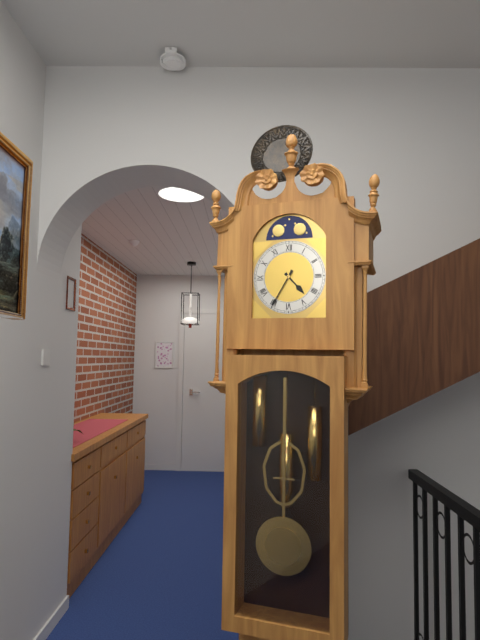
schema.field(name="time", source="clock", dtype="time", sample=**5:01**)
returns **4:35**
